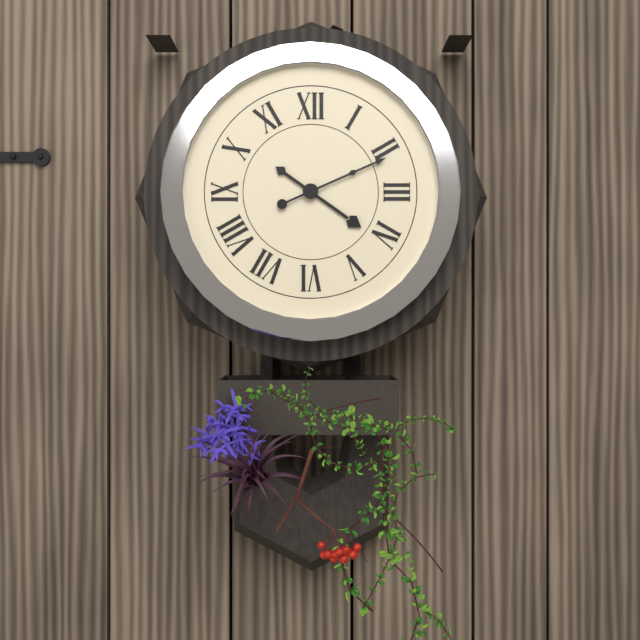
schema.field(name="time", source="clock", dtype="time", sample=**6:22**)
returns **4:11**
